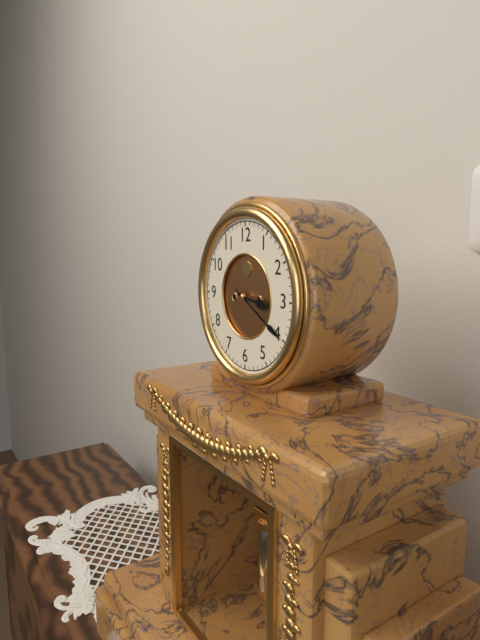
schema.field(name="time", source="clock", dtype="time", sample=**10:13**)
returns **3:20**
